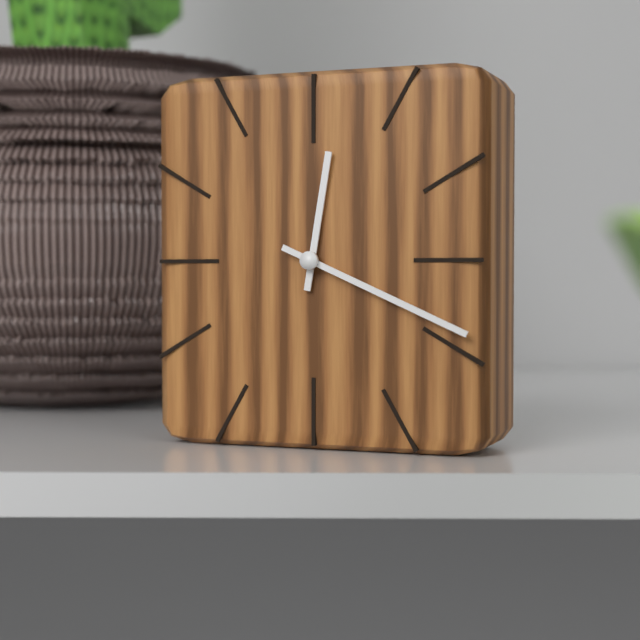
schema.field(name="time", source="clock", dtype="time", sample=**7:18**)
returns **12:19**
